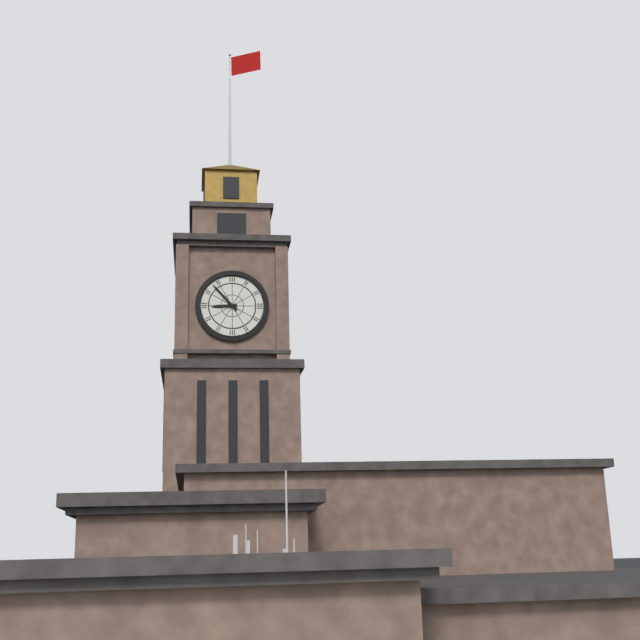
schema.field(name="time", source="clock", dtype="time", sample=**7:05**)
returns **8:53**
